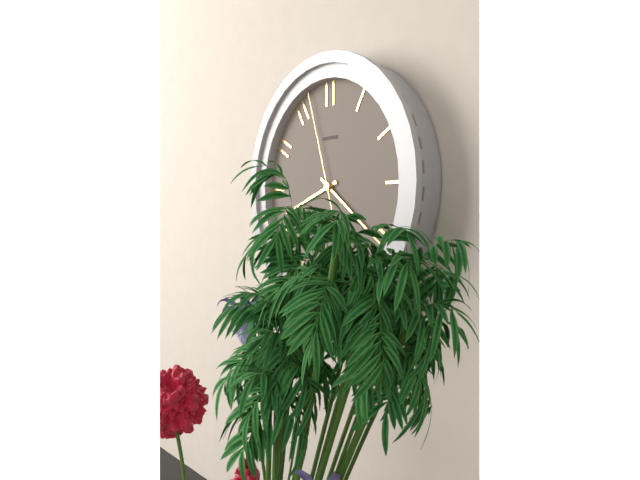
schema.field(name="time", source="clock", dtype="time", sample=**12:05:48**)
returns **8:21:57**
